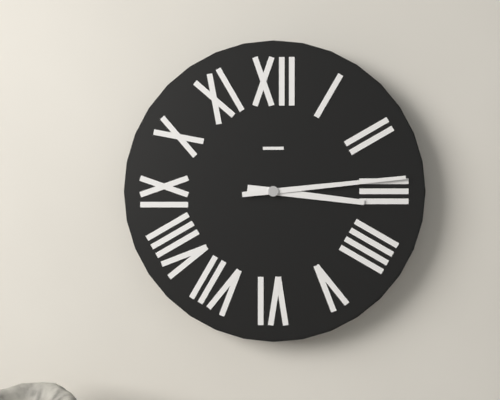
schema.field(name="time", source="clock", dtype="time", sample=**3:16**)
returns **3:14**
